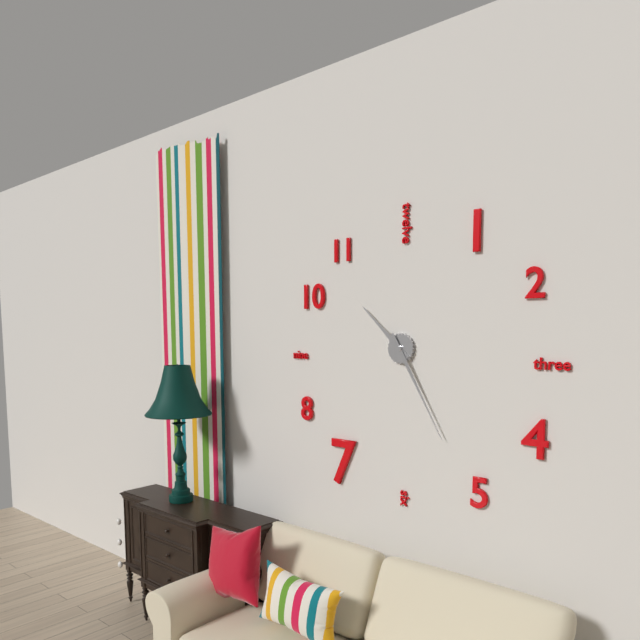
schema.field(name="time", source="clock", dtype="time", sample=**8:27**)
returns **10:25**
